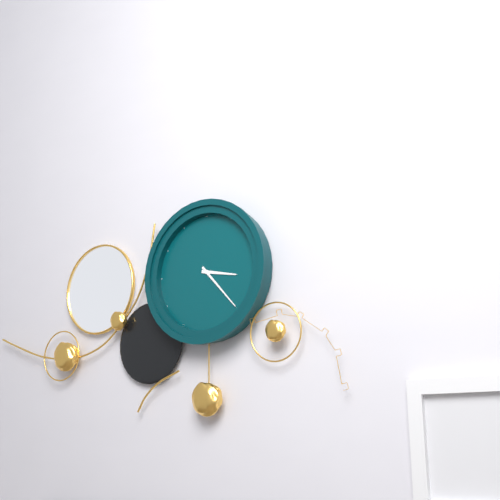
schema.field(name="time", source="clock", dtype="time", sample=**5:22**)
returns **3:23**
